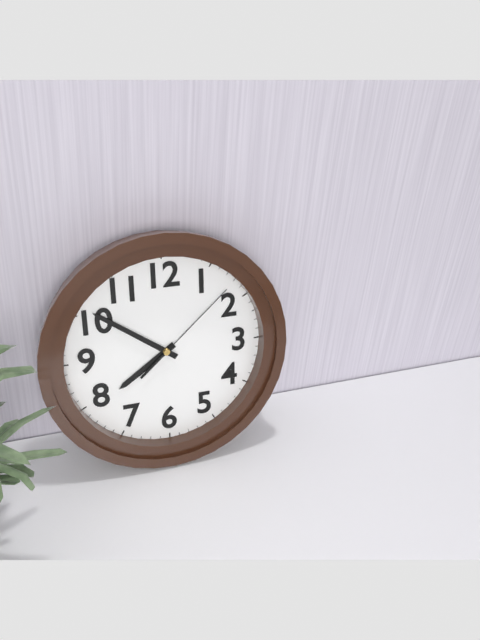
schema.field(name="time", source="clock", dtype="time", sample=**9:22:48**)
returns **7:51:08**
